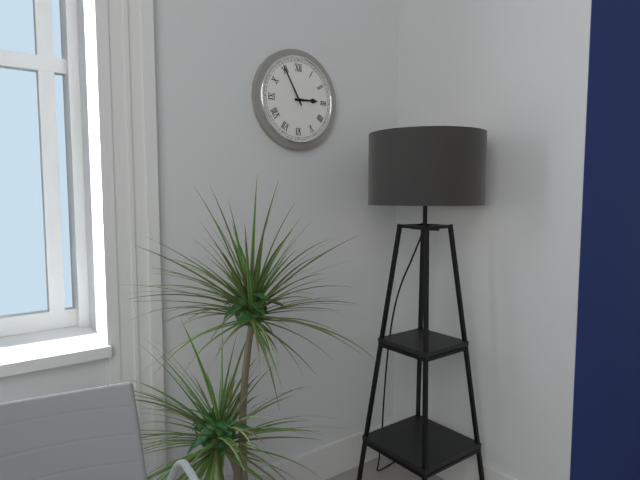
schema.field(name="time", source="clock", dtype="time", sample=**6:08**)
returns **2:55**
